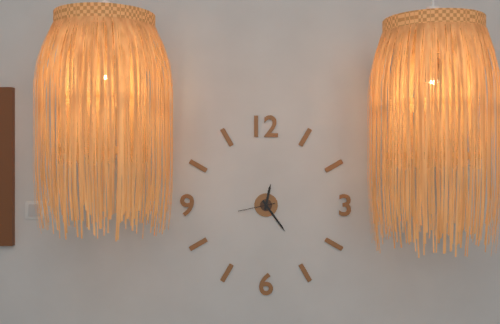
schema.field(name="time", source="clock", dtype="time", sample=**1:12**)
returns **12:24**
